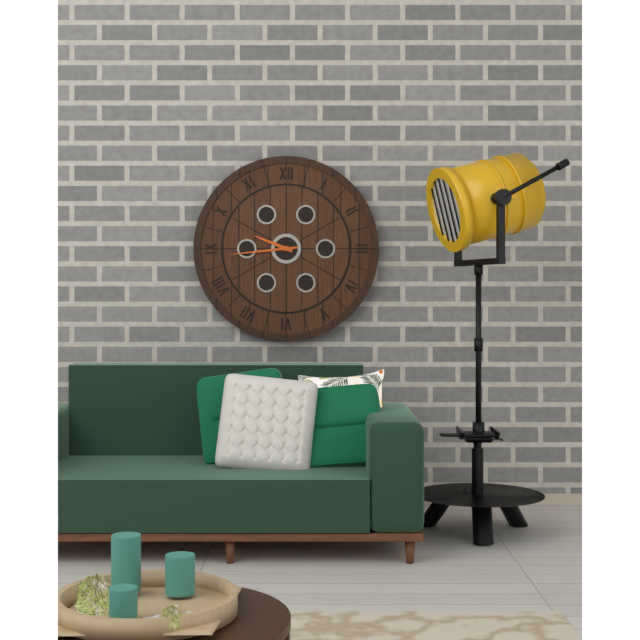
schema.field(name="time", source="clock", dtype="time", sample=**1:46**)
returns **9:44**
